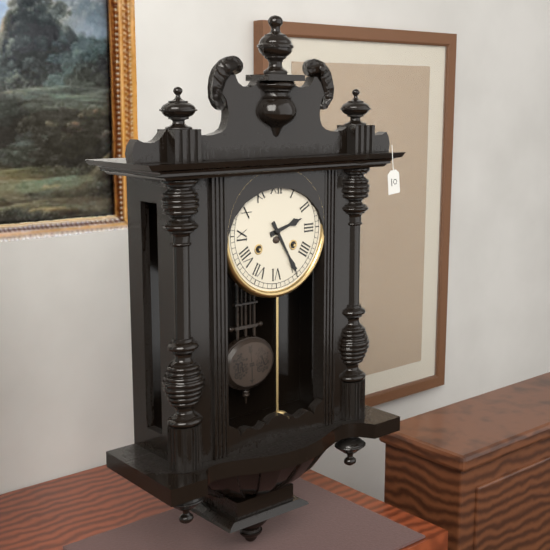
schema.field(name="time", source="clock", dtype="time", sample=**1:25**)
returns **2:25**
